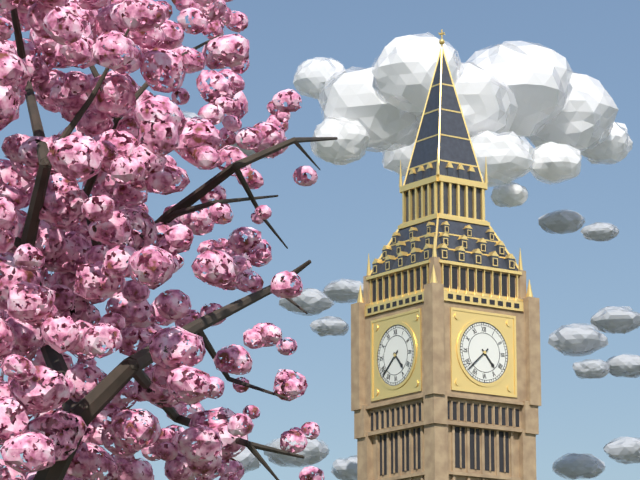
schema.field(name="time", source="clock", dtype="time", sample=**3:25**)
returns **4:38**
